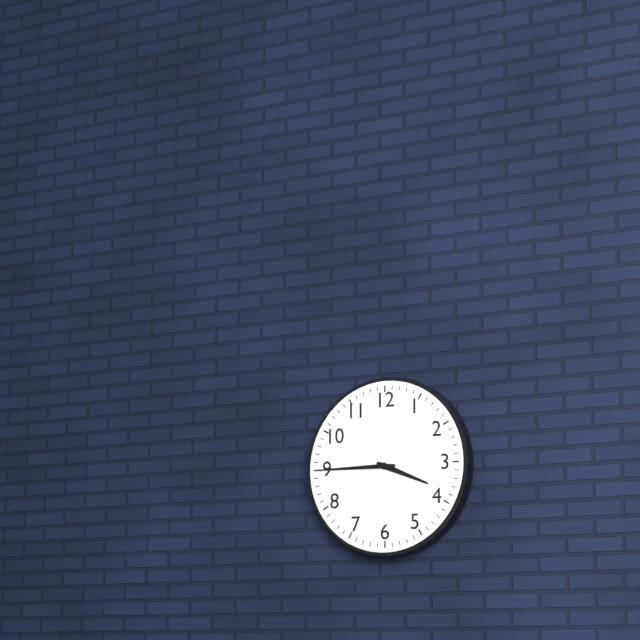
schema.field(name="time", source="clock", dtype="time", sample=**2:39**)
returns **3:45**
